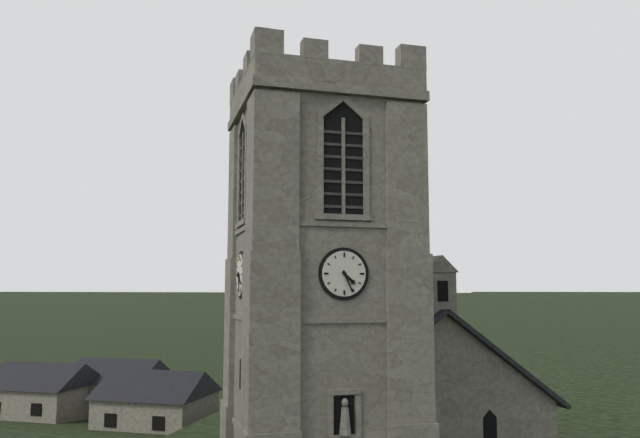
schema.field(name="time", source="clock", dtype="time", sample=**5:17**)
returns **4:26**
